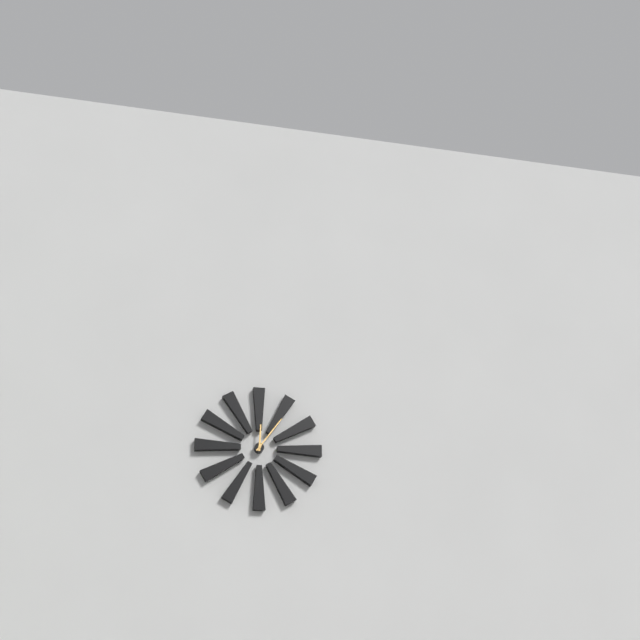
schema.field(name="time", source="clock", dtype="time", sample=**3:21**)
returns **12:06**
